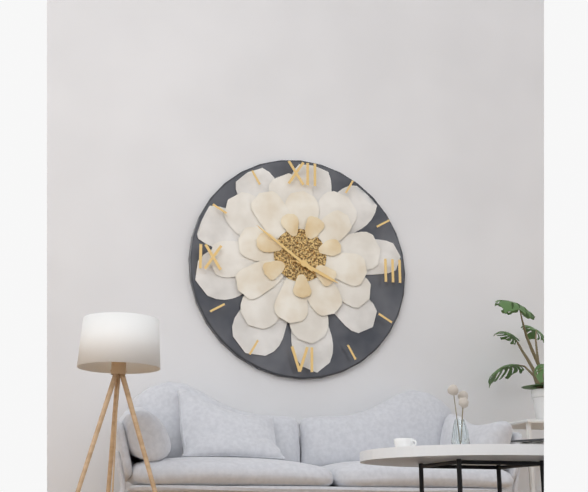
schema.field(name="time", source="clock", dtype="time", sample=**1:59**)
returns **3:51**
